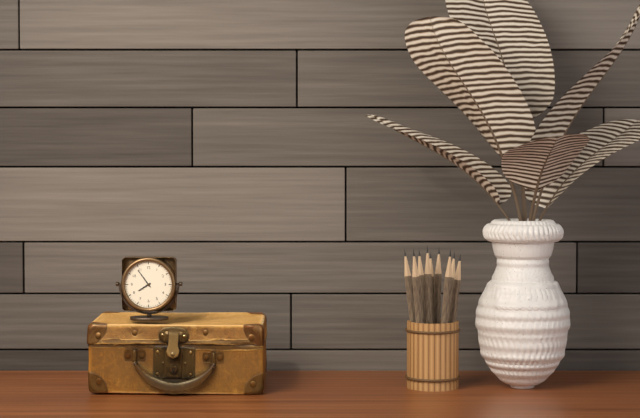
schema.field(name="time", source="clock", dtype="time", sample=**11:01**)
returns **7:54**
